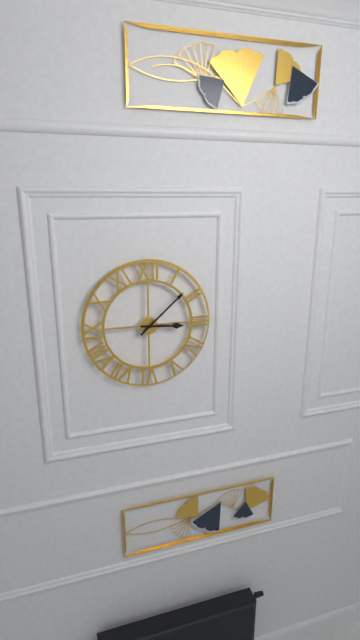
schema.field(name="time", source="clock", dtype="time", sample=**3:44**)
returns **3:08**
